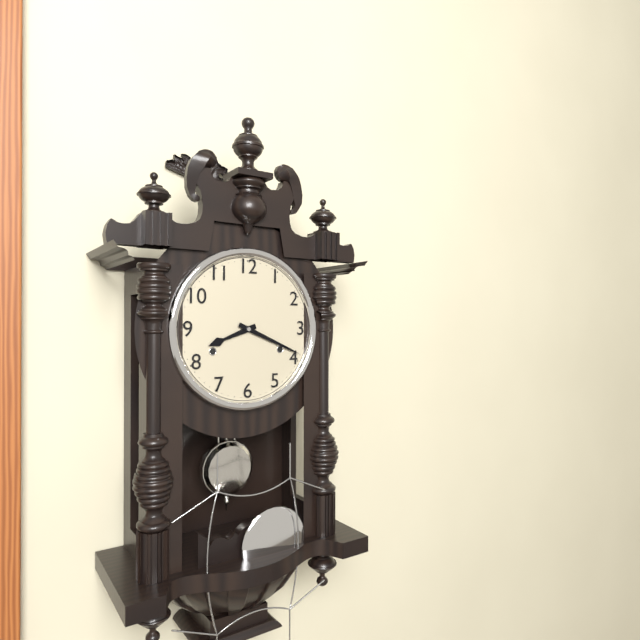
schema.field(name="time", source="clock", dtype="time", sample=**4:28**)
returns **8:19**
